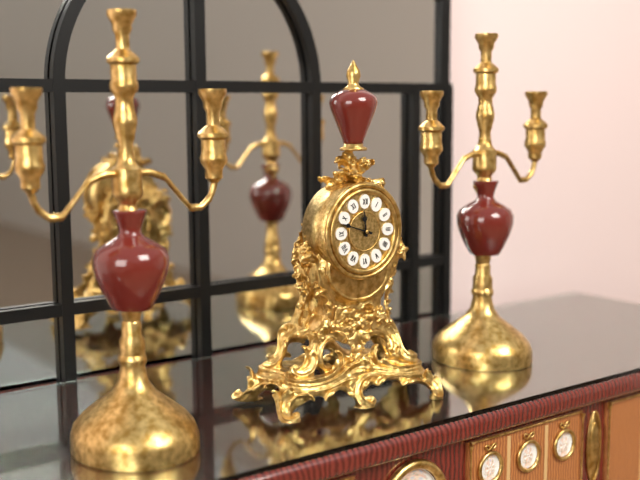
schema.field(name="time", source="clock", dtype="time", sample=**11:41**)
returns **11:48**
